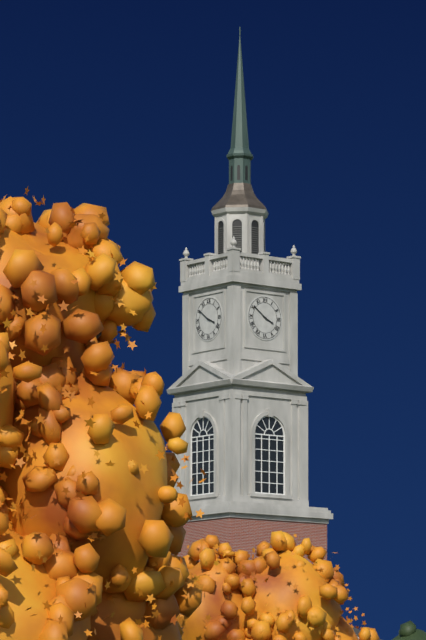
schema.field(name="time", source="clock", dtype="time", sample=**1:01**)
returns **3:51**
